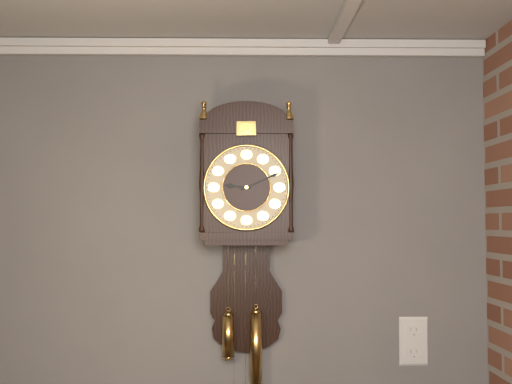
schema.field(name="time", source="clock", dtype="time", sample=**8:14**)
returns **9:11**
